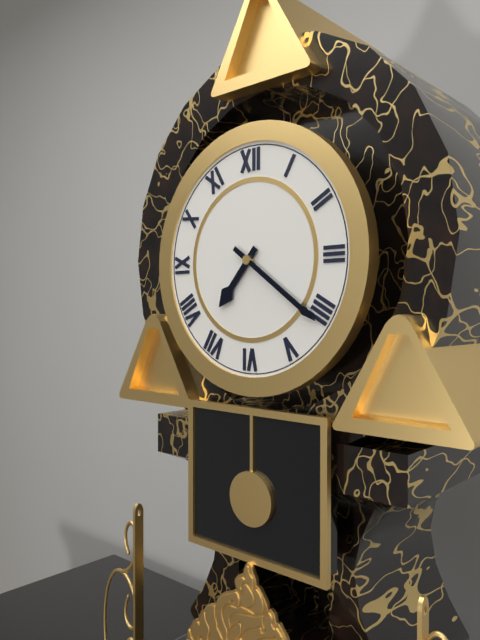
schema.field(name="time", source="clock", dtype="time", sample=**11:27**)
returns **7:21**
